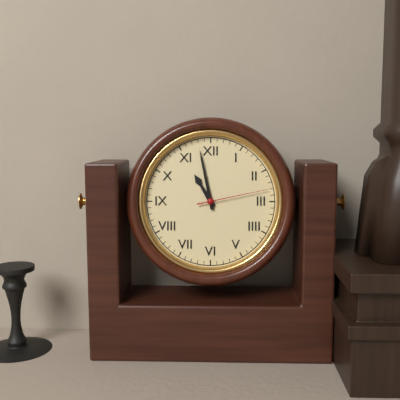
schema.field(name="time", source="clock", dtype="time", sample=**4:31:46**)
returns **10:58:13**
